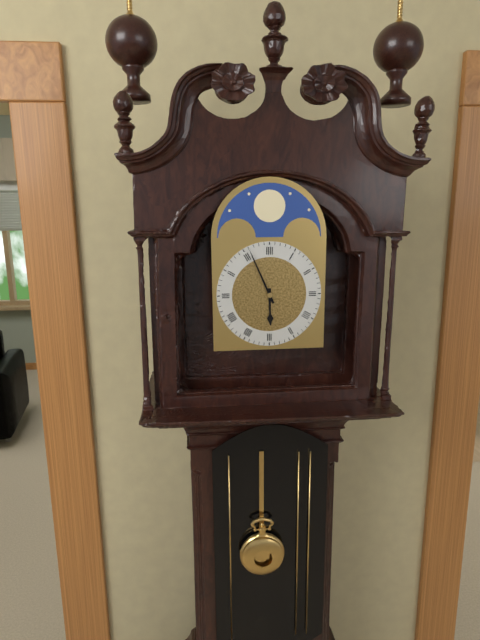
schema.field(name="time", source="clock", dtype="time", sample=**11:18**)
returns **5:56**
